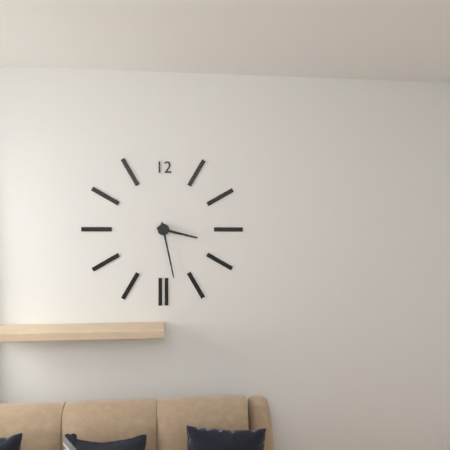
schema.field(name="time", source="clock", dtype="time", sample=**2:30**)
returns **3:28**
